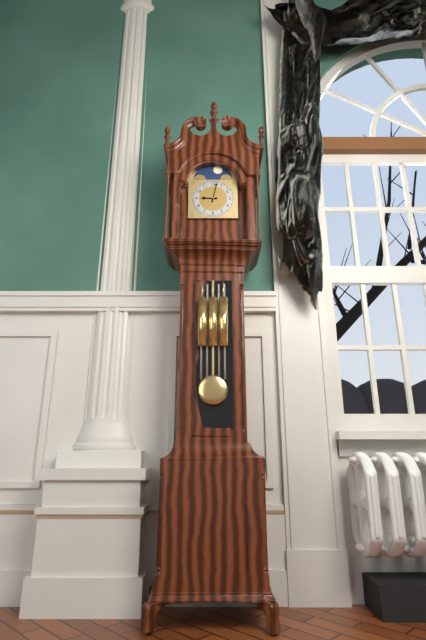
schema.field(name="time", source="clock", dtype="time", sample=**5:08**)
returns **9:02**
